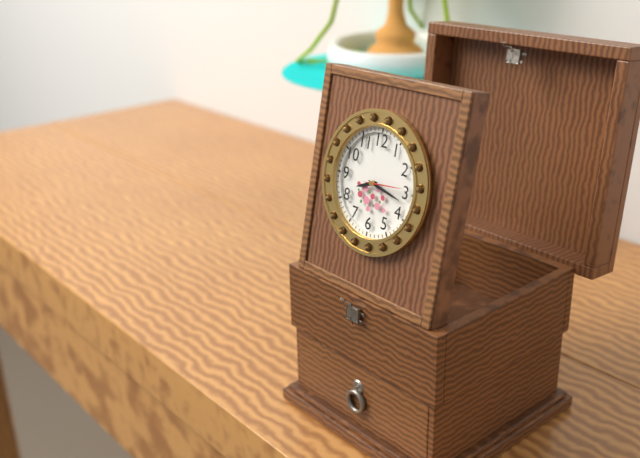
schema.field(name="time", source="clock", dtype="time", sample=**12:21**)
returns **8:17**
